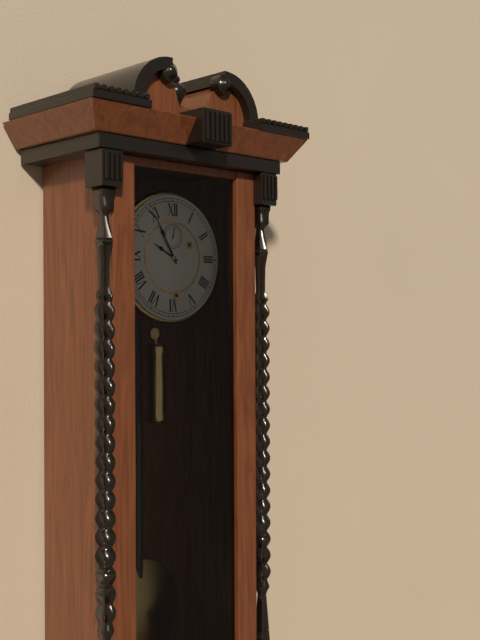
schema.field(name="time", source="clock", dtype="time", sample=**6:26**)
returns **9:55**
